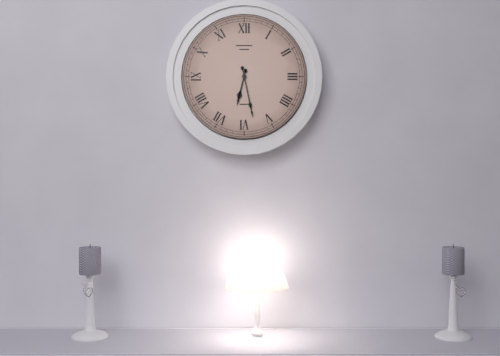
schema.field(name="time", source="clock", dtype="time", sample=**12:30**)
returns **6:28**
